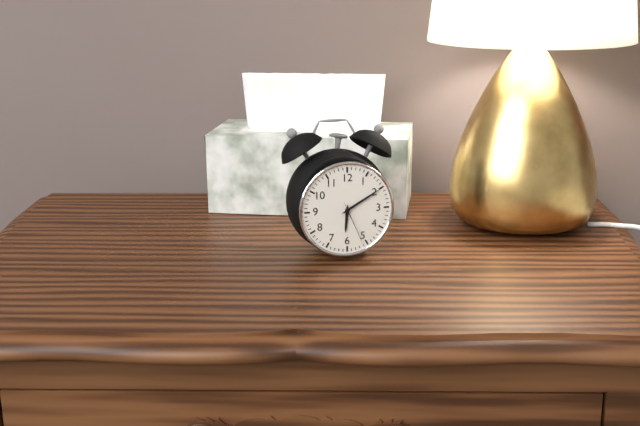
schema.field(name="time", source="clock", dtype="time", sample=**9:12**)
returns **6:10**
